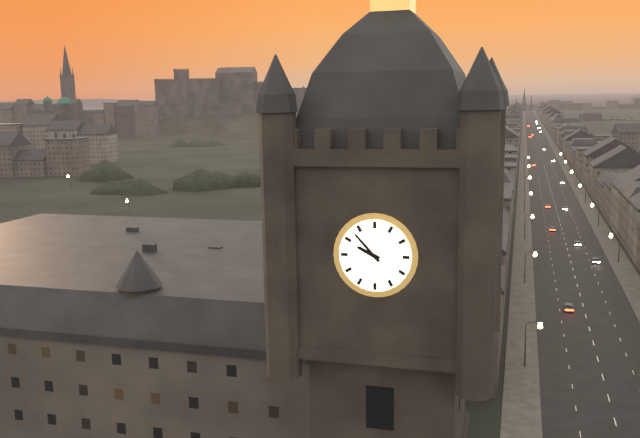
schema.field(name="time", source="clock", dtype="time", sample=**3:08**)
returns **9:53**
